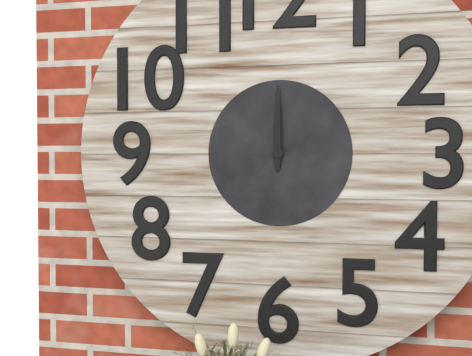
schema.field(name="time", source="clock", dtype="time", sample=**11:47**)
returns **12:00**
